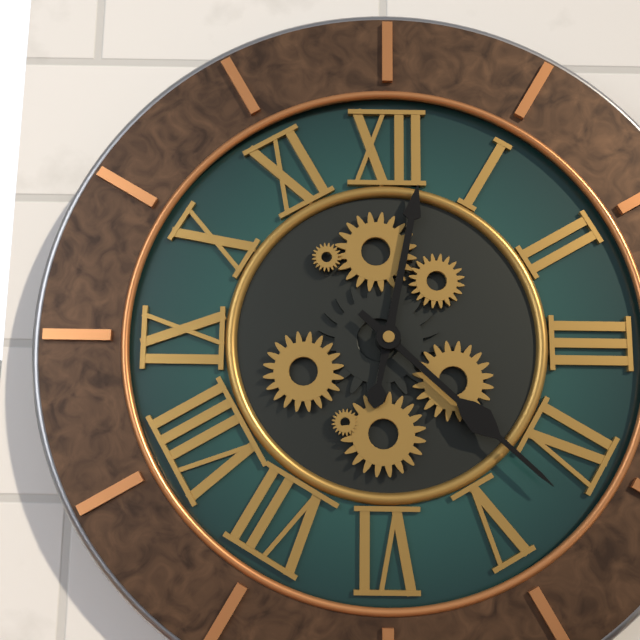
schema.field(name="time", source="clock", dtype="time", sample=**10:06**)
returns **12:22**
